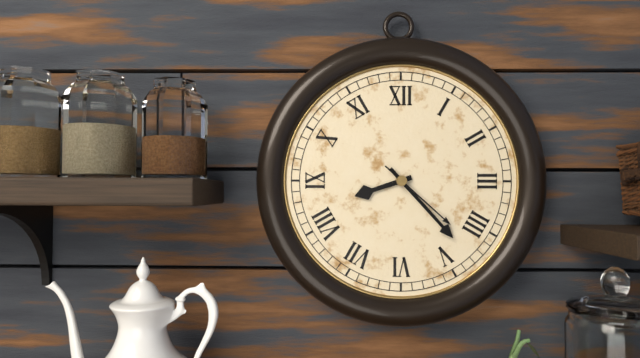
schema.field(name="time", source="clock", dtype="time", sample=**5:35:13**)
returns **8:23:22**
